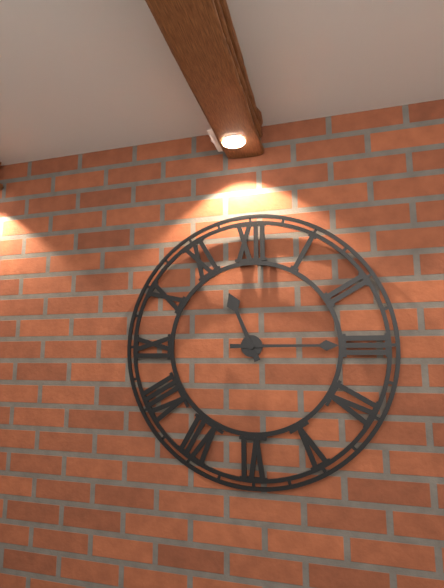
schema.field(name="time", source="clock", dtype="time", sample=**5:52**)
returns **11:15**
